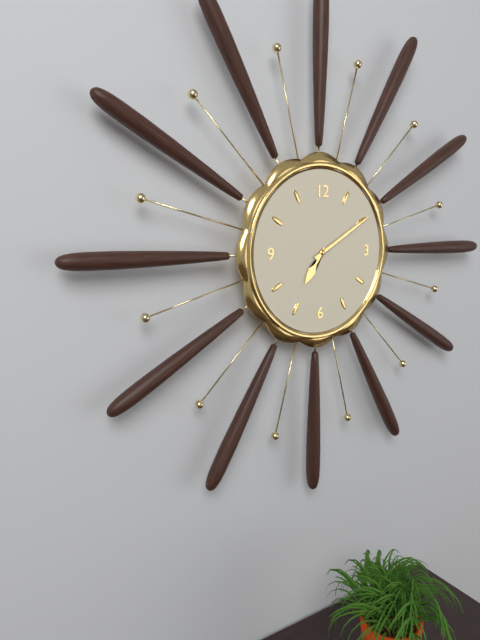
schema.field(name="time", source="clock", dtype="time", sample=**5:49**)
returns **7:10**
